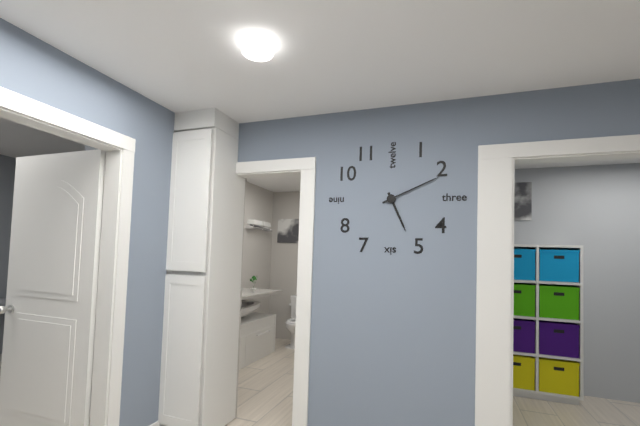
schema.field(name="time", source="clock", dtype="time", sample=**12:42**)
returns **5:11**
